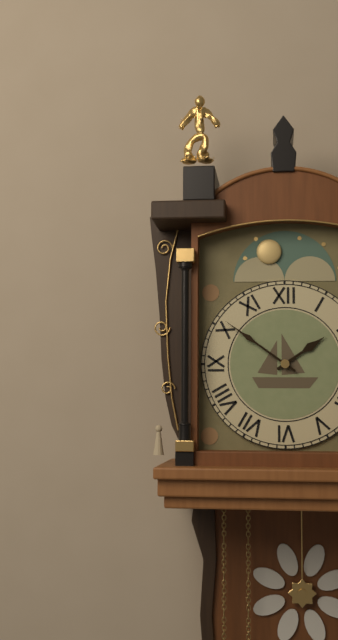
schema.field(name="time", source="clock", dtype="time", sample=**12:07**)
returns **1:51**
